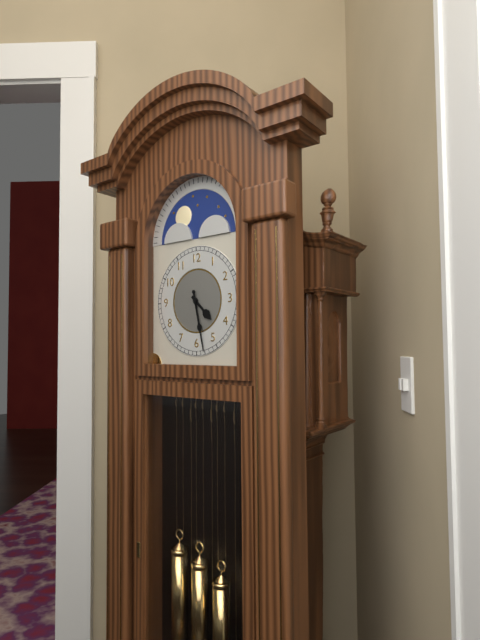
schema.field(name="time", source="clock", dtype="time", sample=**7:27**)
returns **4:28**
